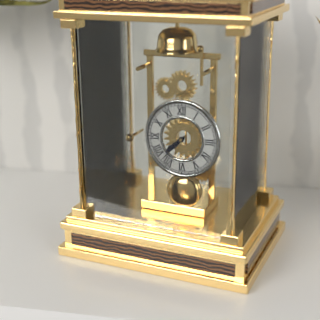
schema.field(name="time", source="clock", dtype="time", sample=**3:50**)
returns **7:37**
